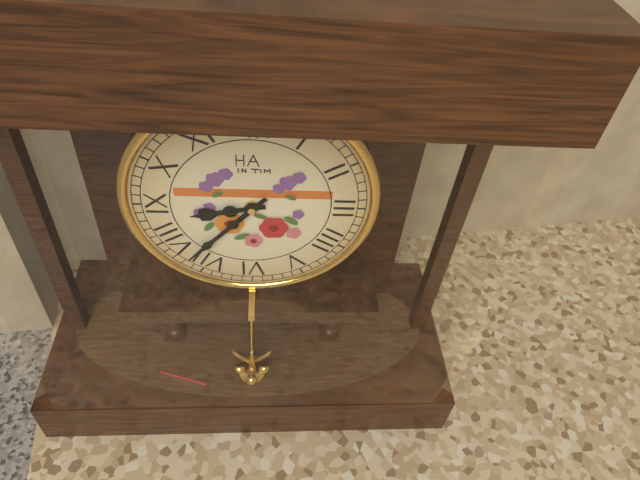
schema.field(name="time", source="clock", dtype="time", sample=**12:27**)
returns **8:37**
